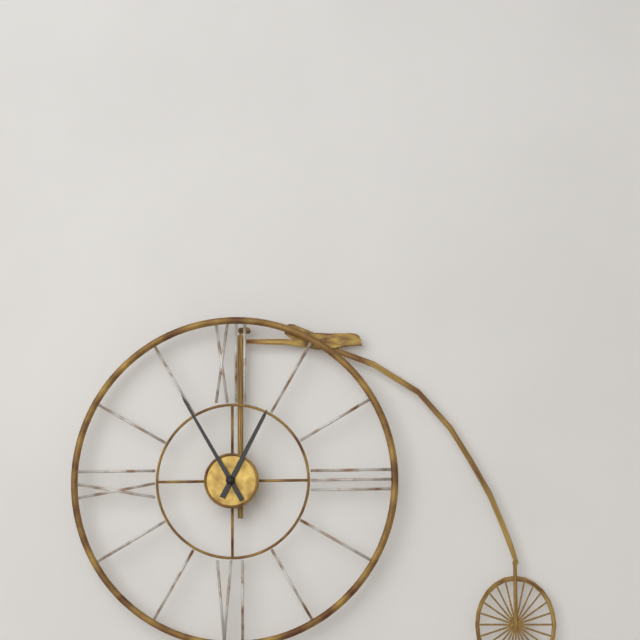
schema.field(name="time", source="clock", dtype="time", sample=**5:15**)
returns **12:55**
